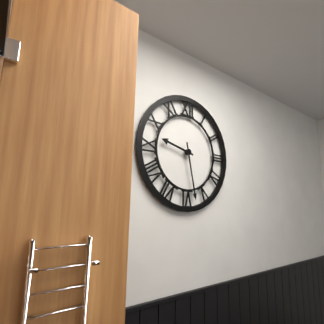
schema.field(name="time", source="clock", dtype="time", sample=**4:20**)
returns **9:28**
